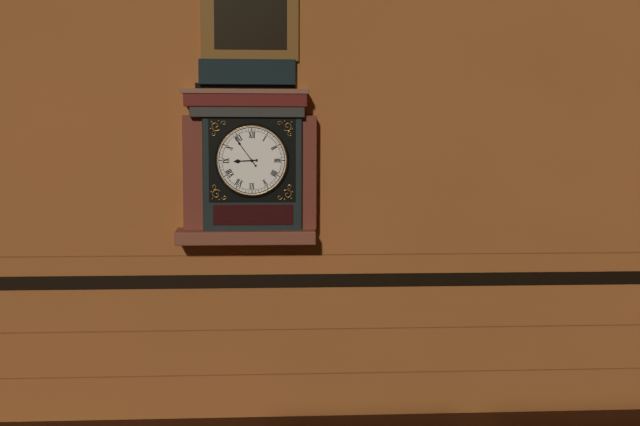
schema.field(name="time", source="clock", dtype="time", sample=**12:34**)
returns **8:54**
